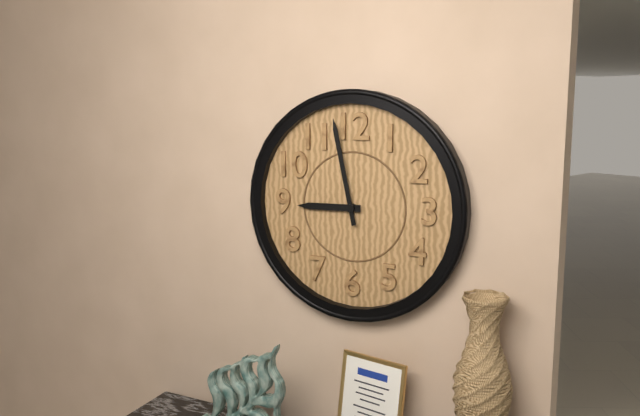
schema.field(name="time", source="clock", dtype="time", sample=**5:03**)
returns **8:58**
